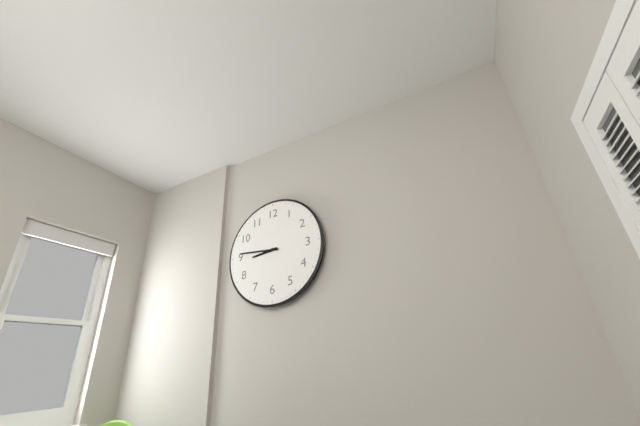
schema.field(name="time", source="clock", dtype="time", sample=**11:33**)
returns **8:46**
